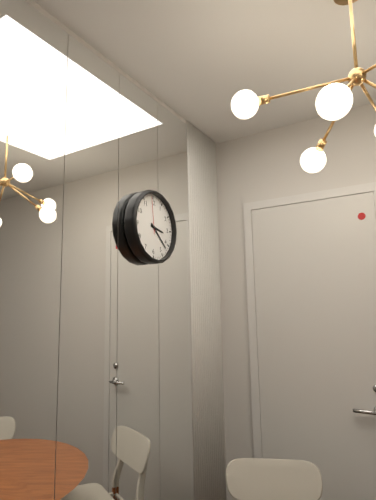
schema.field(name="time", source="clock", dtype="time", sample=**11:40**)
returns **3:22**
